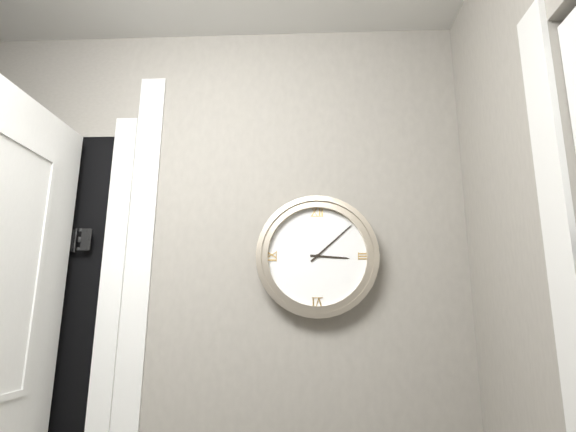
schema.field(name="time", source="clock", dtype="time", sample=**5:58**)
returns **3:08**
